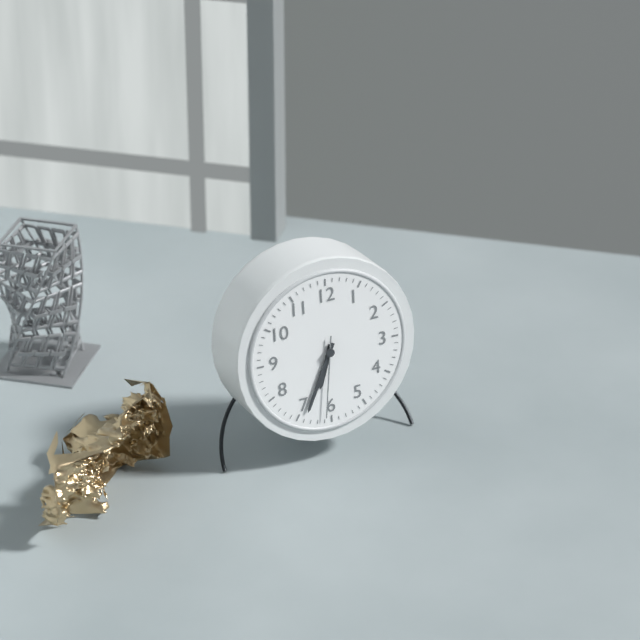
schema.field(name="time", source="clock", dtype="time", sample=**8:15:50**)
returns **6:34:31**
